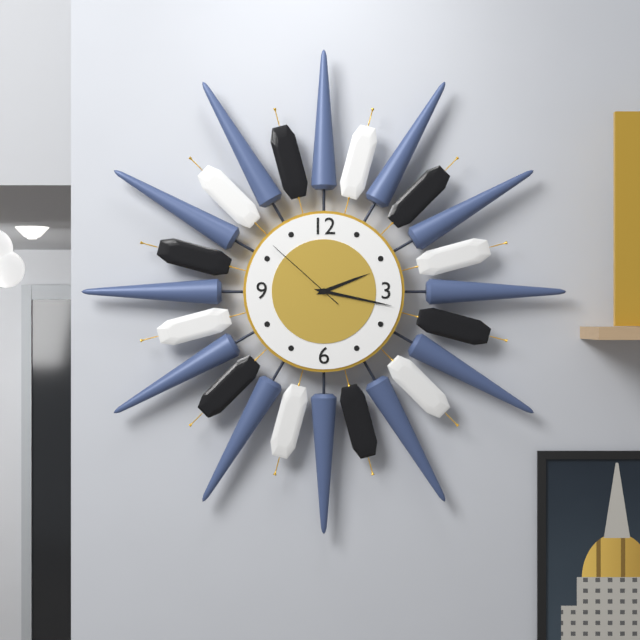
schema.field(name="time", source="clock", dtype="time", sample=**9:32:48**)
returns **2:17:52**
